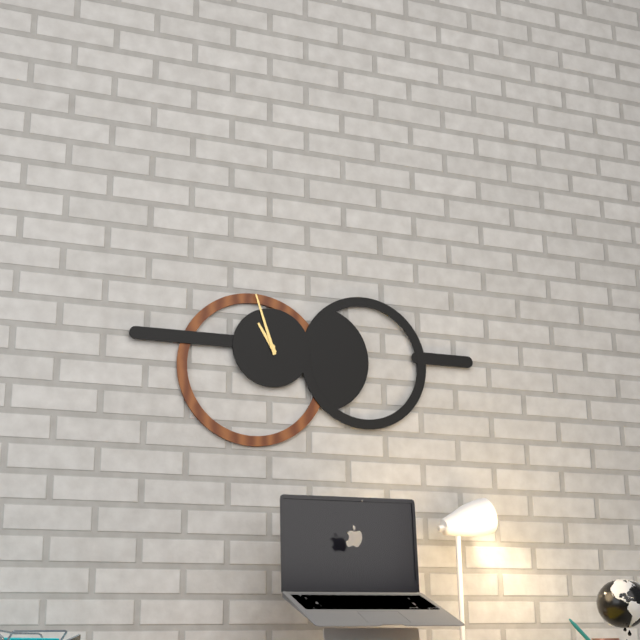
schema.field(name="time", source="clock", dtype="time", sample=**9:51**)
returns **10:57**
